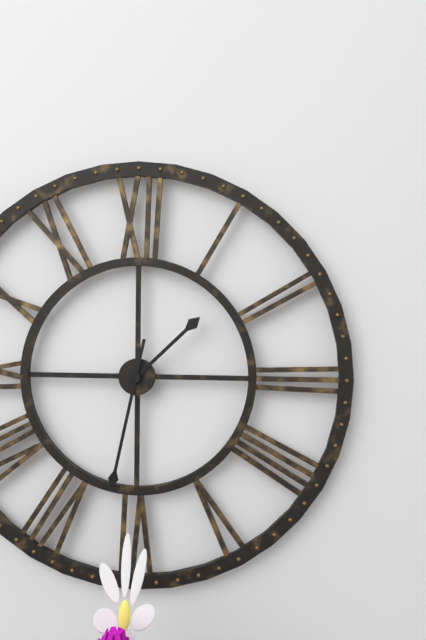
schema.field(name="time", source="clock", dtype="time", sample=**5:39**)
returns **1:32**
